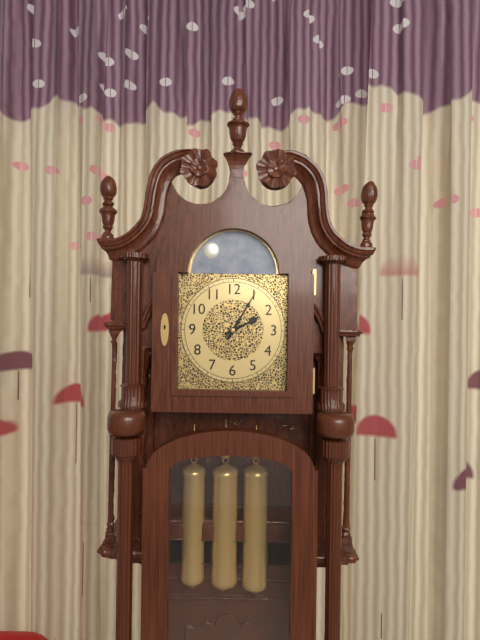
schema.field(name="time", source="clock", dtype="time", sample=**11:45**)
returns **2:05**
